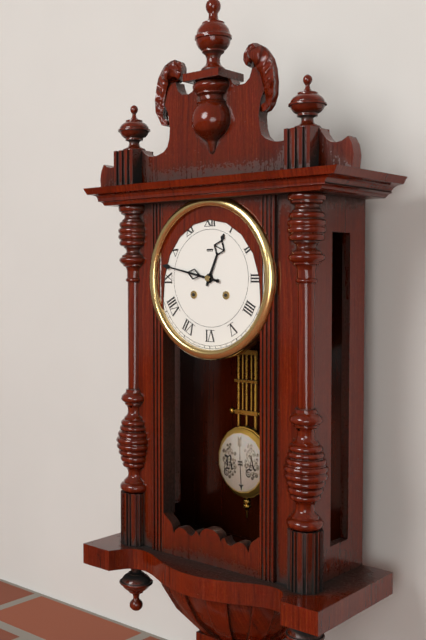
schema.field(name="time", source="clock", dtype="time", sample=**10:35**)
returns **12:47**
